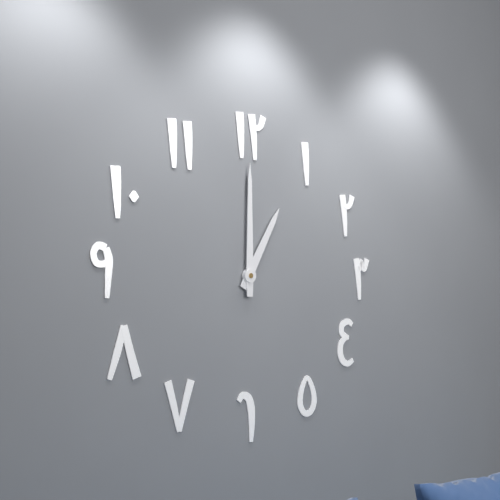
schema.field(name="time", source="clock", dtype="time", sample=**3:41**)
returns **1:00**
